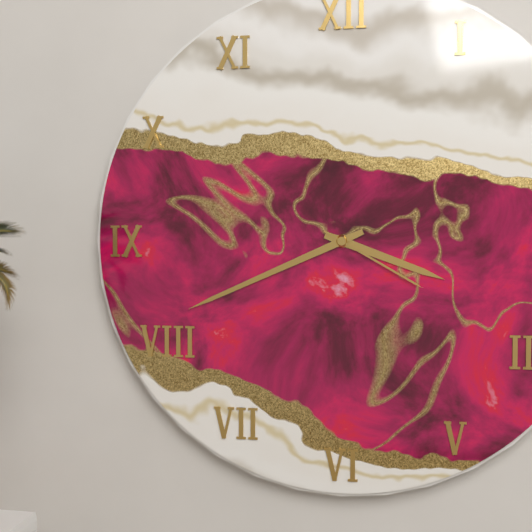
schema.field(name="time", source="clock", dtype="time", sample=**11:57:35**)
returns **3:41:20**
